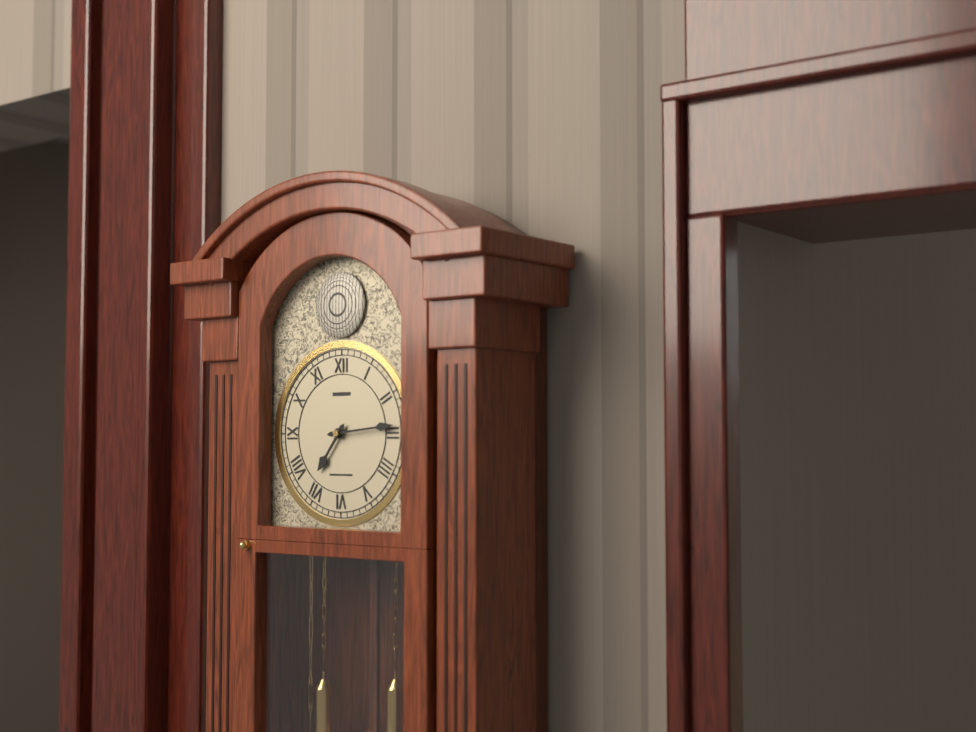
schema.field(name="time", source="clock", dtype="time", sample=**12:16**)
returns **7:14**
